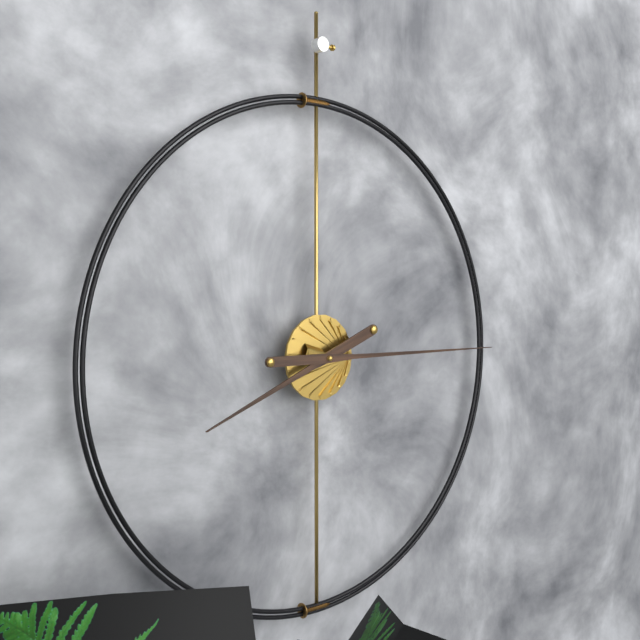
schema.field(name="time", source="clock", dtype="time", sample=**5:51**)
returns **8:15**
